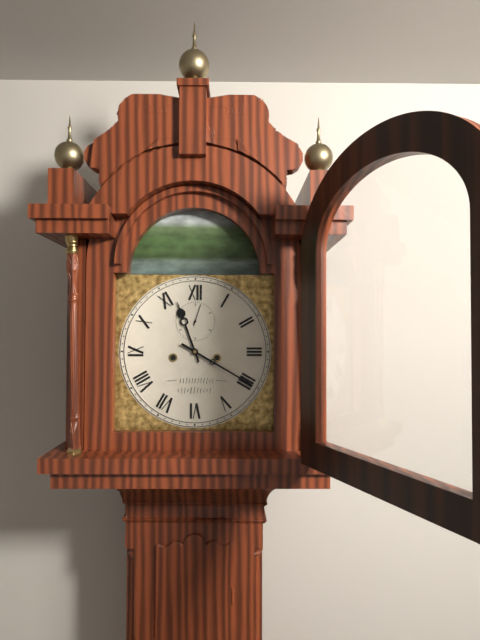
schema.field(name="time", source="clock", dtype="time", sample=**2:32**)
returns **11:20**
